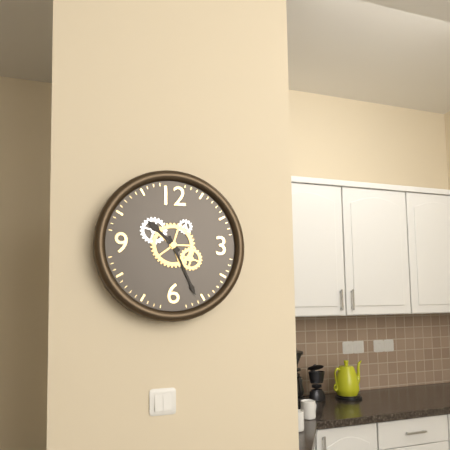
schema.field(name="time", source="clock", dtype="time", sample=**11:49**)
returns **10:26**
